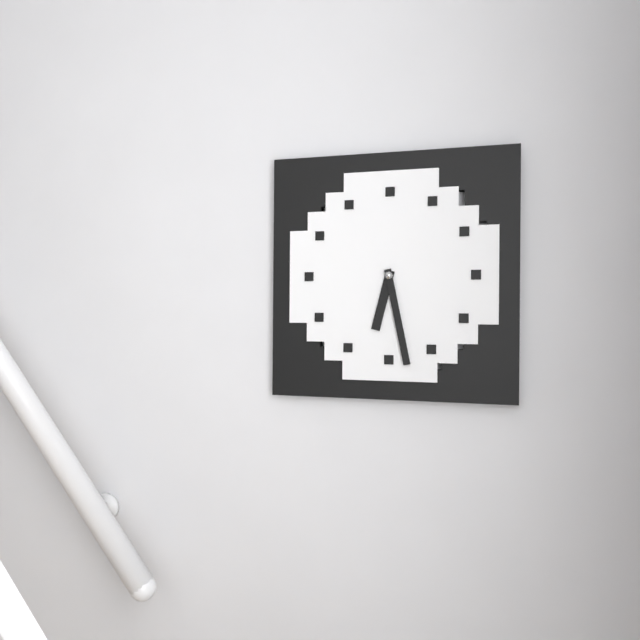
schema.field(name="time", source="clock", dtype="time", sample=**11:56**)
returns **6:28**
